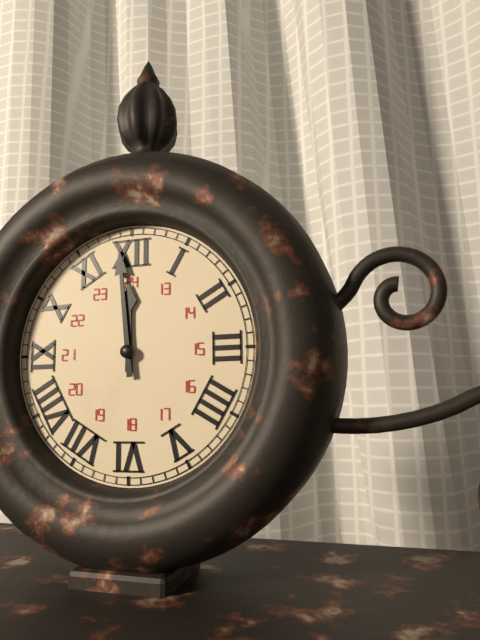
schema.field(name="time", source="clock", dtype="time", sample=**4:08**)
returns **11:59**
